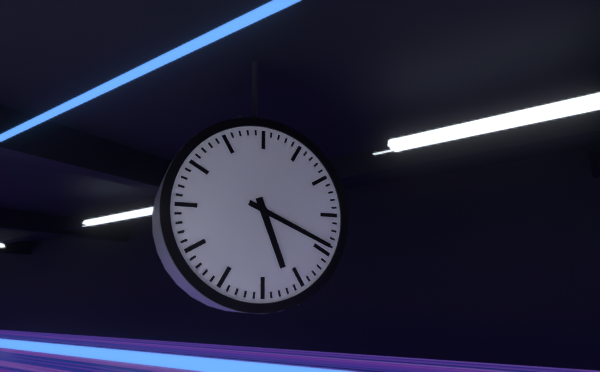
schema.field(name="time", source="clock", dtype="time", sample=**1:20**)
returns **5:19**
